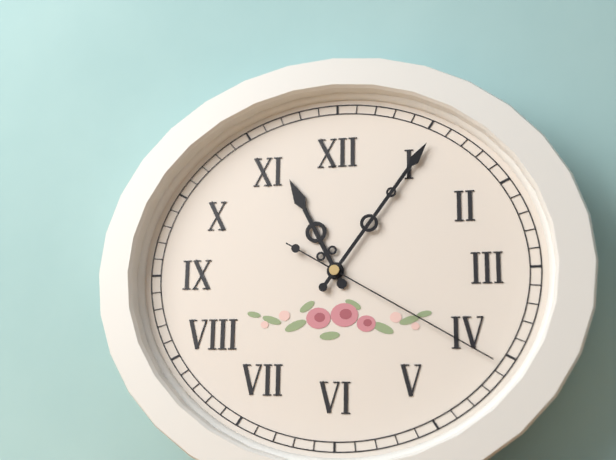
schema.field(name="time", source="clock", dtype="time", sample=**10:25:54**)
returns **11:06:20**
